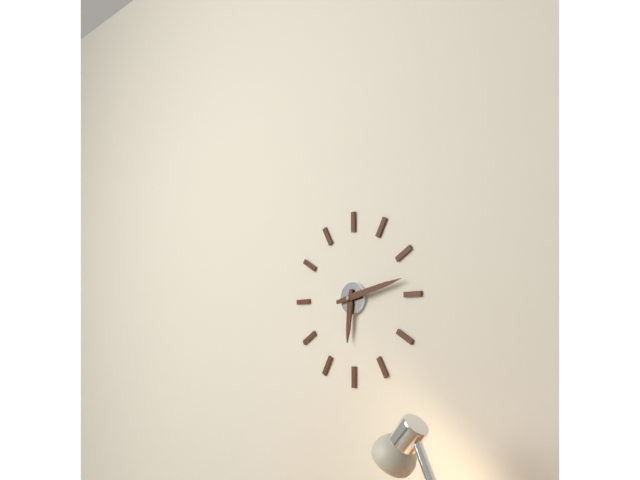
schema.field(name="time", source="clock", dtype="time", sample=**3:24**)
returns **6:13**
